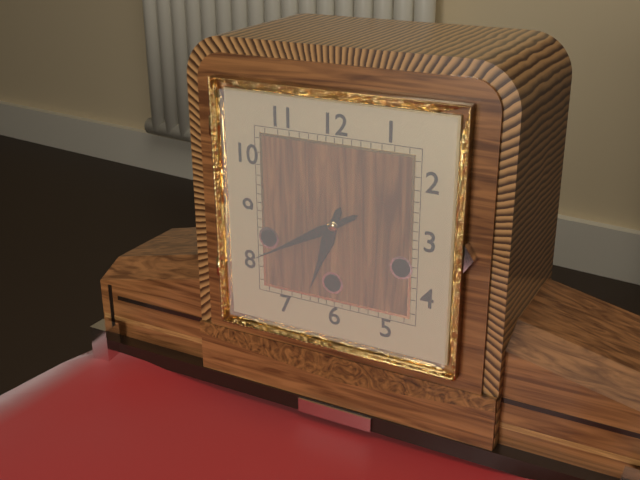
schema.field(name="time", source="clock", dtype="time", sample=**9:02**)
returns **6:40**
